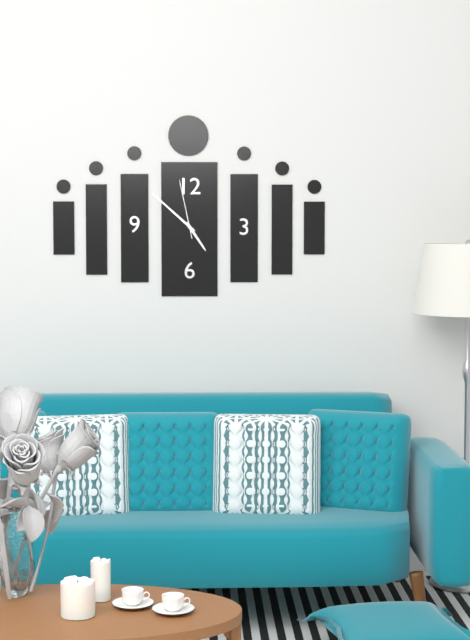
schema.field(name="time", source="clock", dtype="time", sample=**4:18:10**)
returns **4:52:58**
